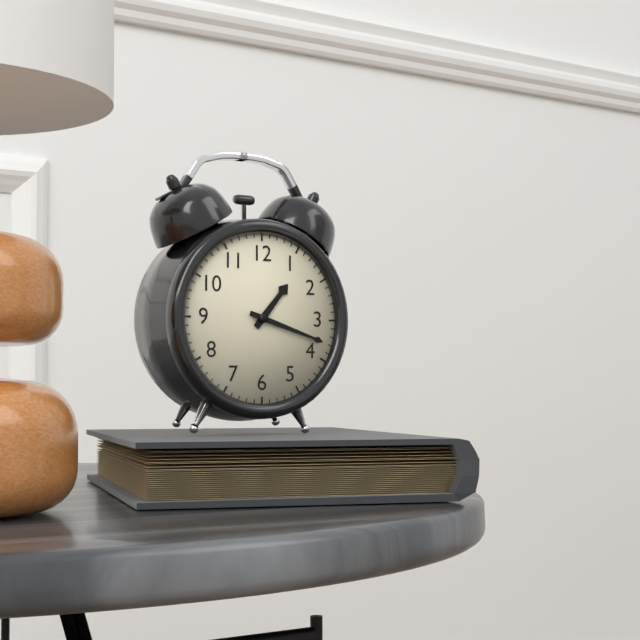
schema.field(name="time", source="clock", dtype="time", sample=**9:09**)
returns **1:18**
